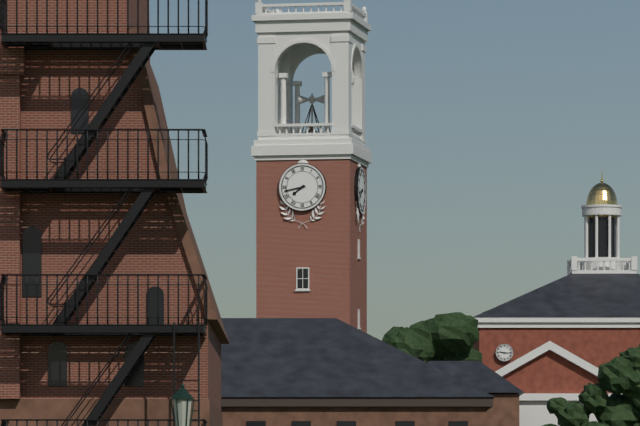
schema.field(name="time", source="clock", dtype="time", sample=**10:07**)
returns **7:43**
